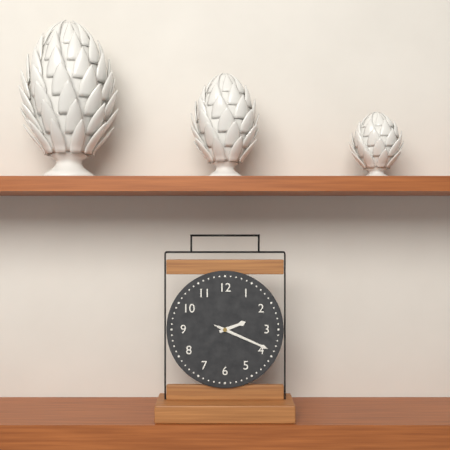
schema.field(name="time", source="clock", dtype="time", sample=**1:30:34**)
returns **2:19:19**
